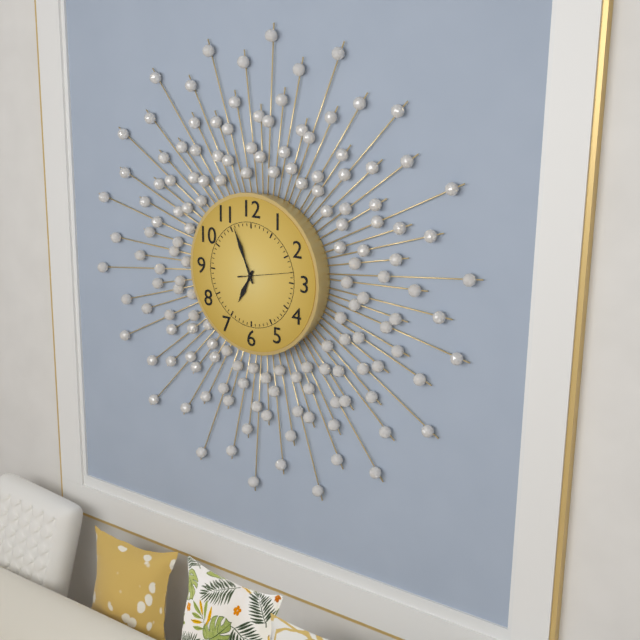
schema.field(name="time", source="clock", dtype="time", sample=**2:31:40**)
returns **6:56:13**
